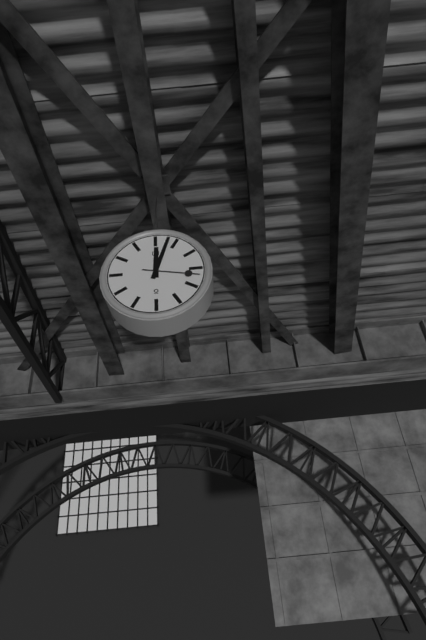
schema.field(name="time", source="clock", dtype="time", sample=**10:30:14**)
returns **12:03:17**
